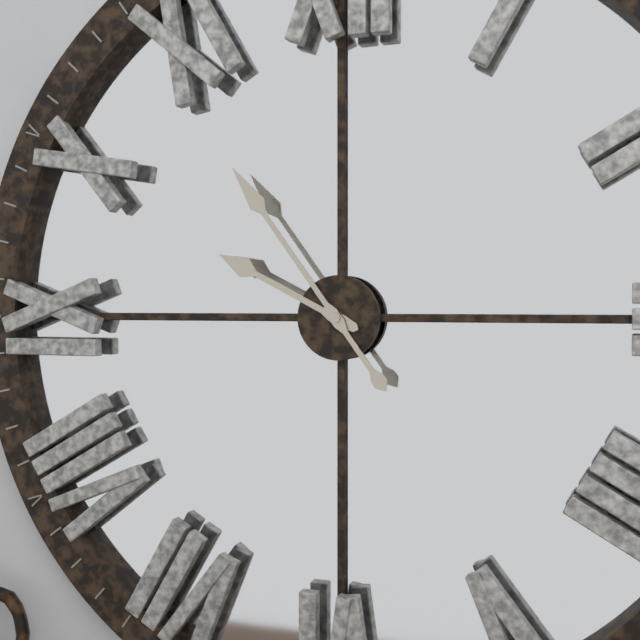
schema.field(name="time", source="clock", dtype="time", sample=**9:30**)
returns **9:54**
